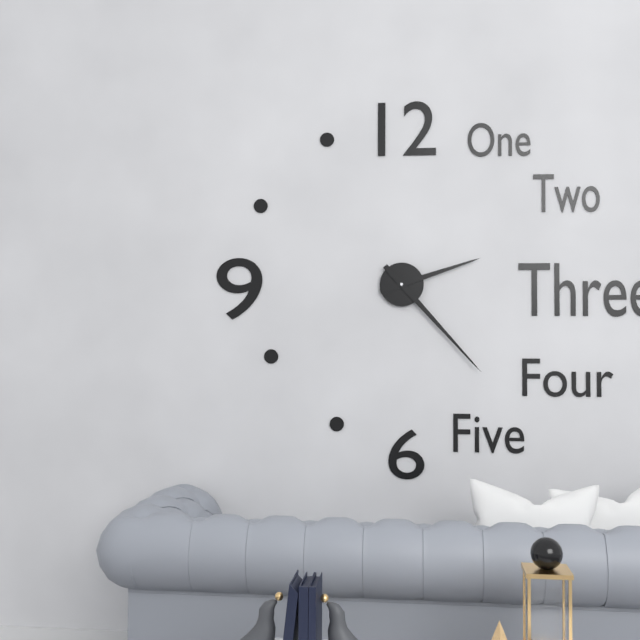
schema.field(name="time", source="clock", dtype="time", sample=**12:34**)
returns **2:23**
